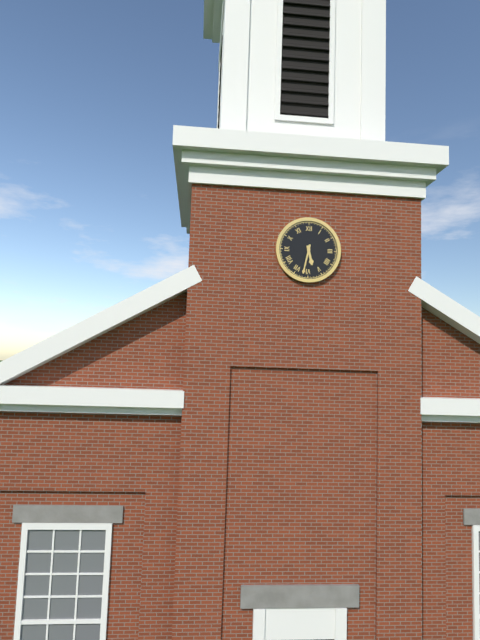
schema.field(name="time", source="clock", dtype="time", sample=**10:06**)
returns **5:32**
